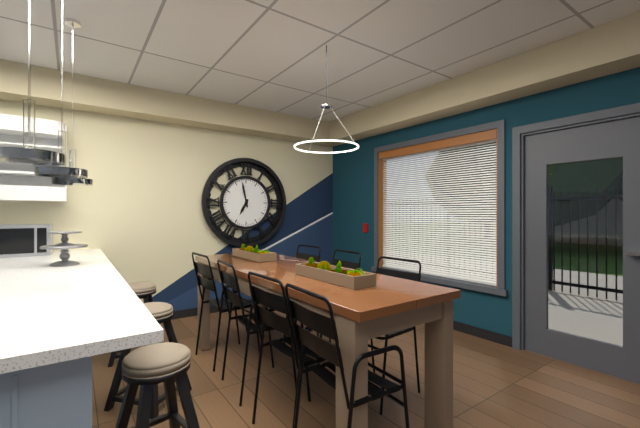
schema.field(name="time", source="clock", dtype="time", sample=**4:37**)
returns **6:58**
